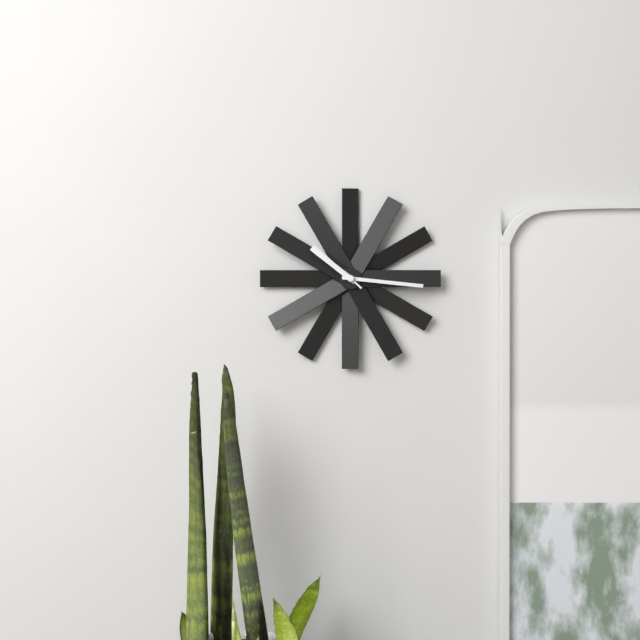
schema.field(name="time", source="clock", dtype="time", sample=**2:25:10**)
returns **10:16:52**
